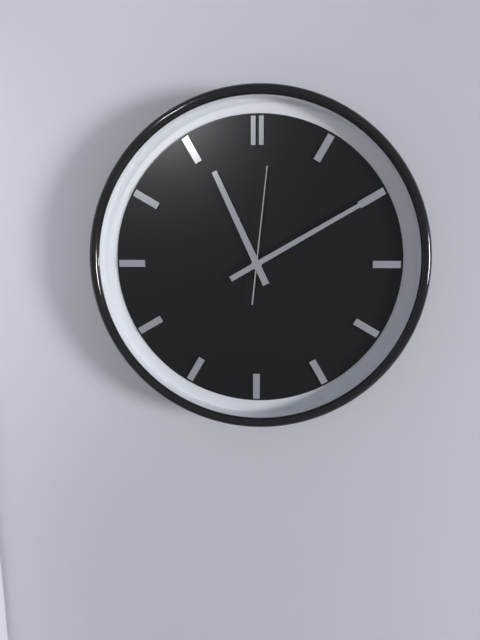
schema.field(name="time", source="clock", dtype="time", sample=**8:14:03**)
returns **11:10:01**
